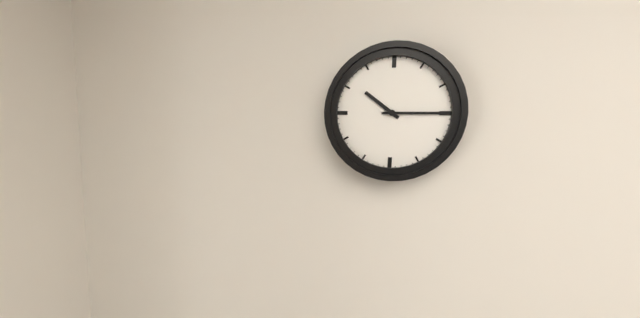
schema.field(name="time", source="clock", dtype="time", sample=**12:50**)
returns **10:15**
